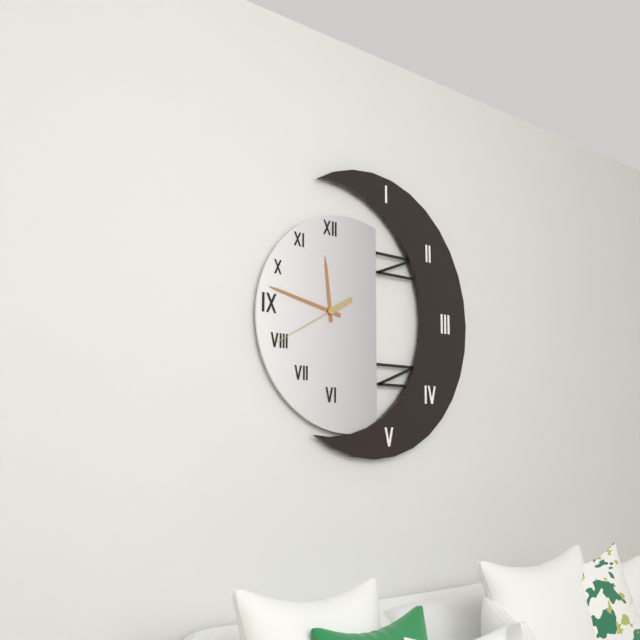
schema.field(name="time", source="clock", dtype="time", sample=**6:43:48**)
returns **11:47:40**
